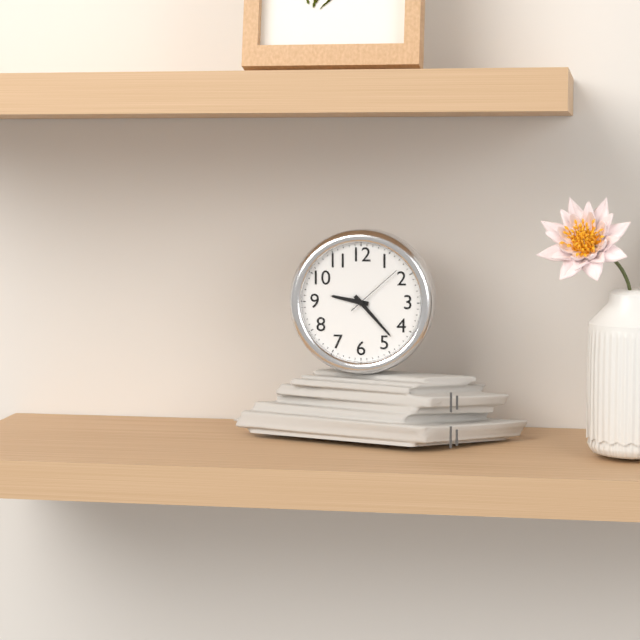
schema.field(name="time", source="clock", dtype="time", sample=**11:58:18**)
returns **9:23:08**
